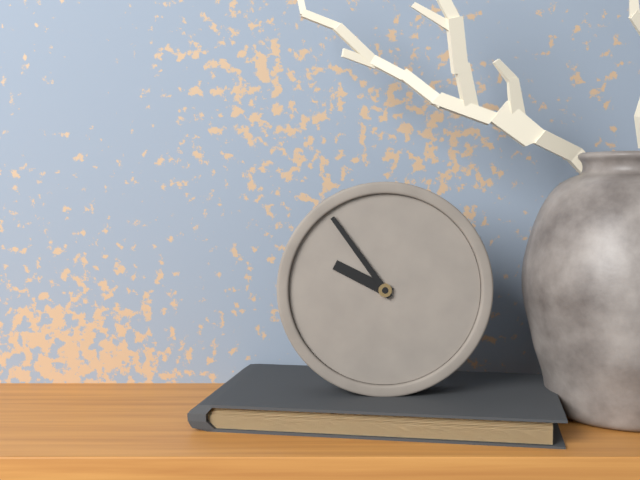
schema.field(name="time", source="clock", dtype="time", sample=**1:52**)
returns **9:54**
